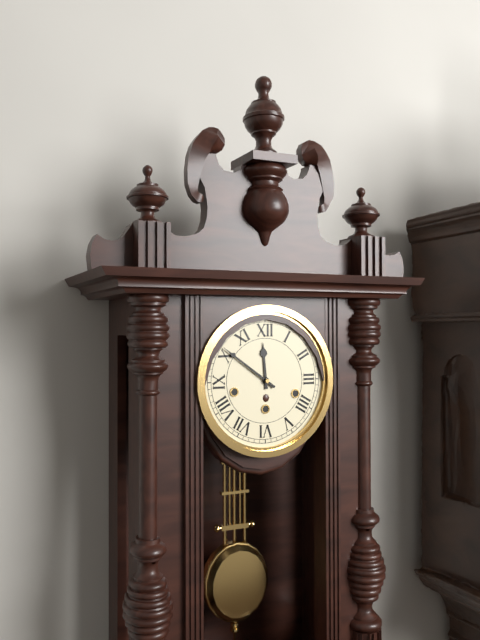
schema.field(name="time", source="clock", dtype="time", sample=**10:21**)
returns **11:51**
